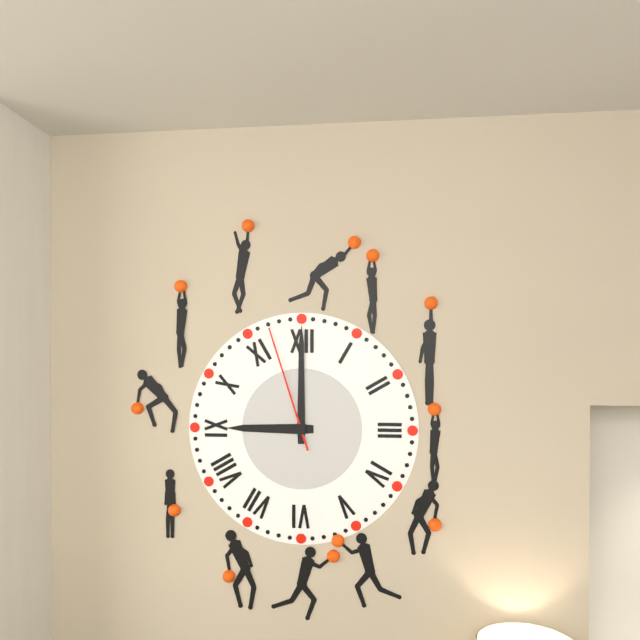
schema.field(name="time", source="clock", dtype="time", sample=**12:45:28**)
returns **9:00:57**
